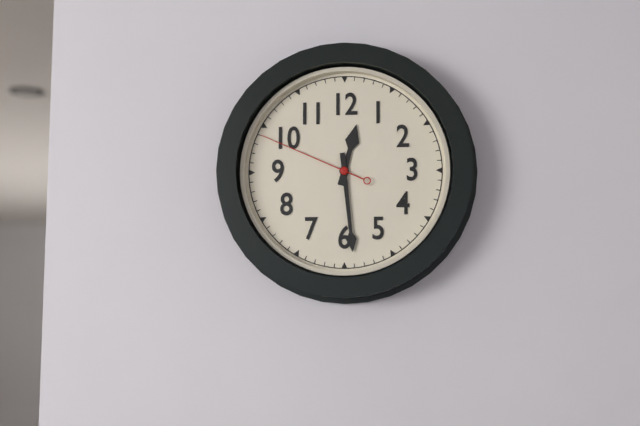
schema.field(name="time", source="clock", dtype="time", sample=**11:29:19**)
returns **12:29:49**
